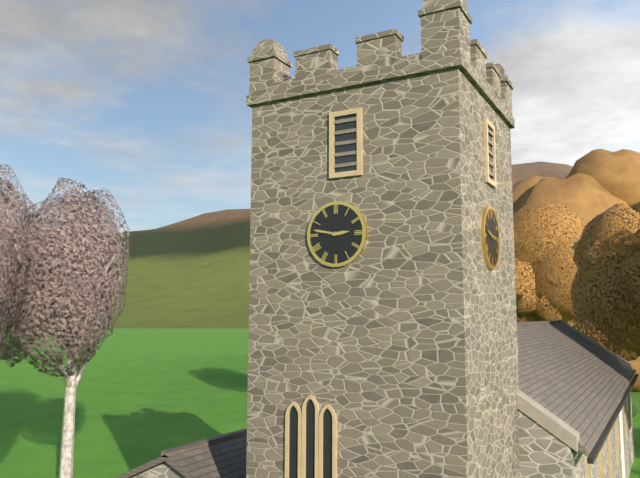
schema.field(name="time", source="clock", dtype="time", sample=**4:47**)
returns **2:47**
